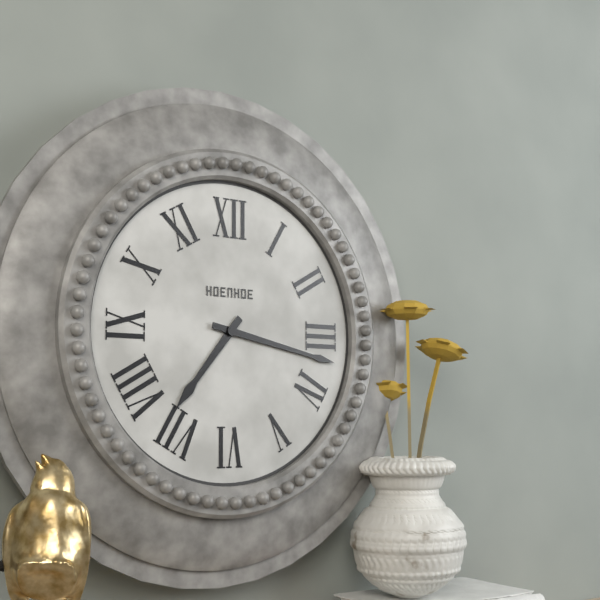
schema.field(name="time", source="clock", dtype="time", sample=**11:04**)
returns **7:17**
